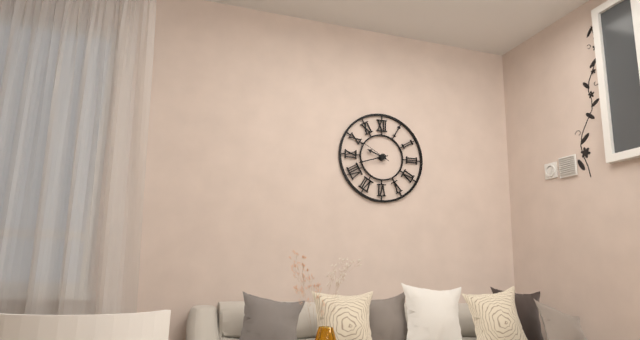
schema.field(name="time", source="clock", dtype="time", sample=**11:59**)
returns **9:42**
